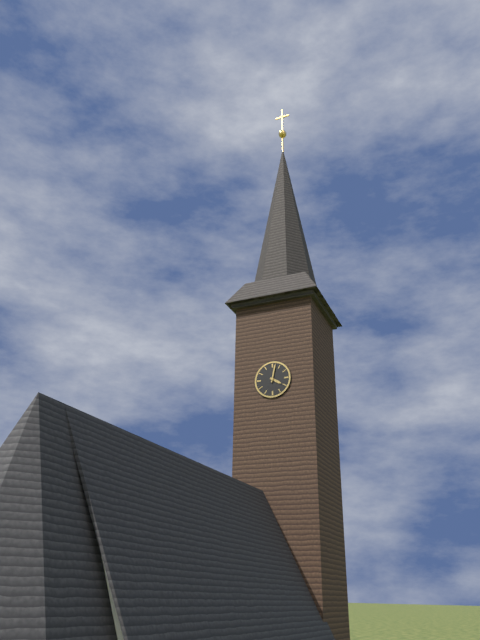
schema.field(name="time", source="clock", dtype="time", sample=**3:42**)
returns **4:02**
